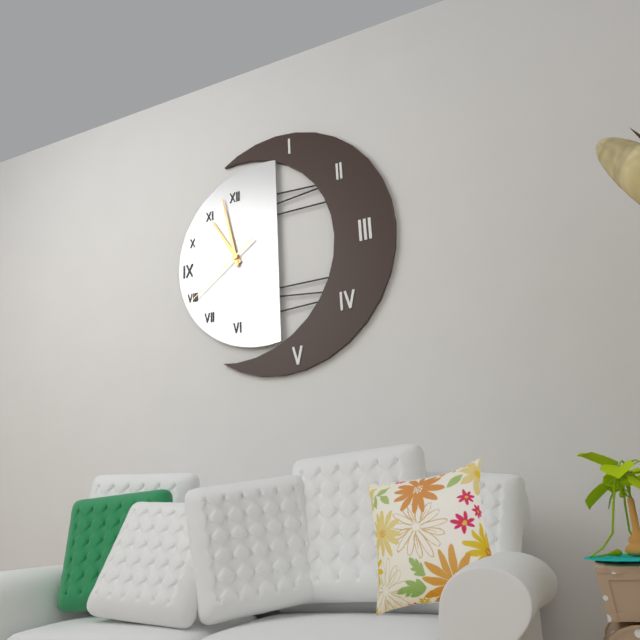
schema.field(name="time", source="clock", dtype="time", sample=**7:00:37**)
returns **10:58:39**
